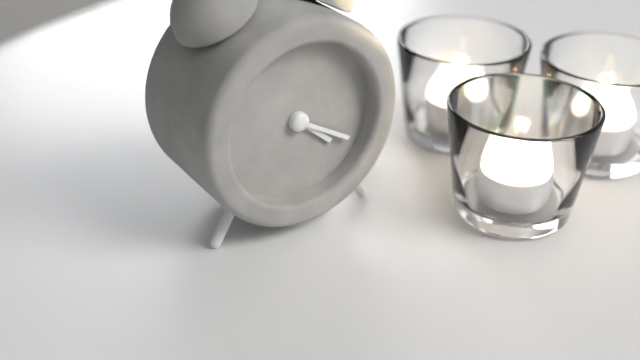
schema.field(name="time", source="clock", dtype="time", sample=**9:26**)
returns **4:20**
